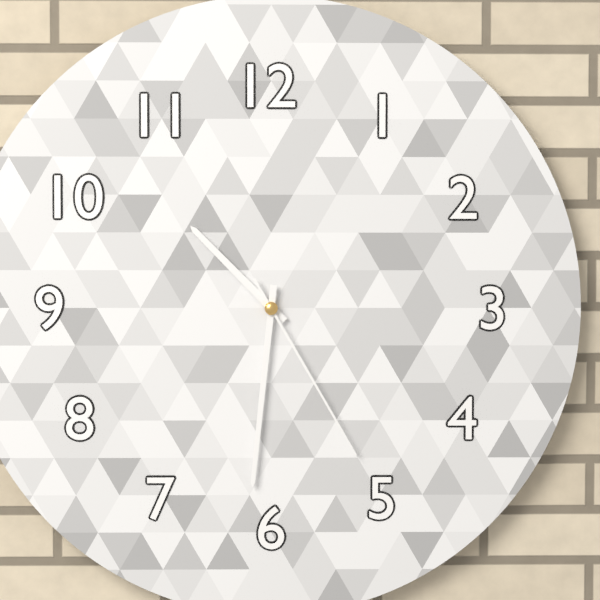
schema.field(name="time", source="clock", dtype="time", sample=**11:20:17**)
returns **10:31:25**
